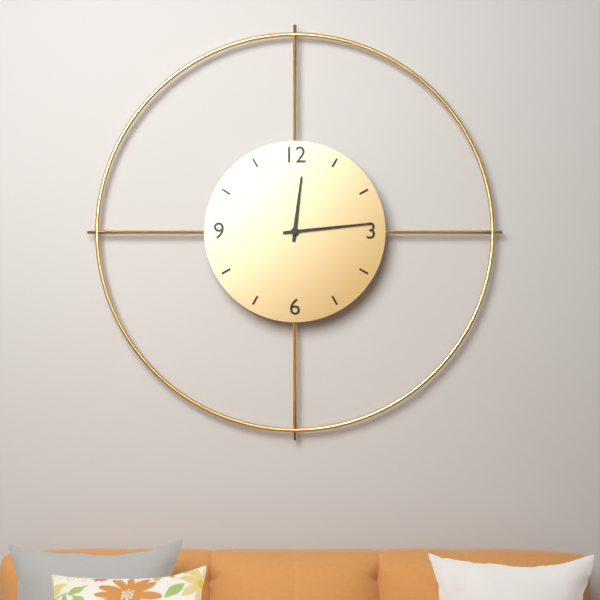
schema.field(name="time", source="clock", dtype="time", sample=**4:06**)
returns **12:14**
